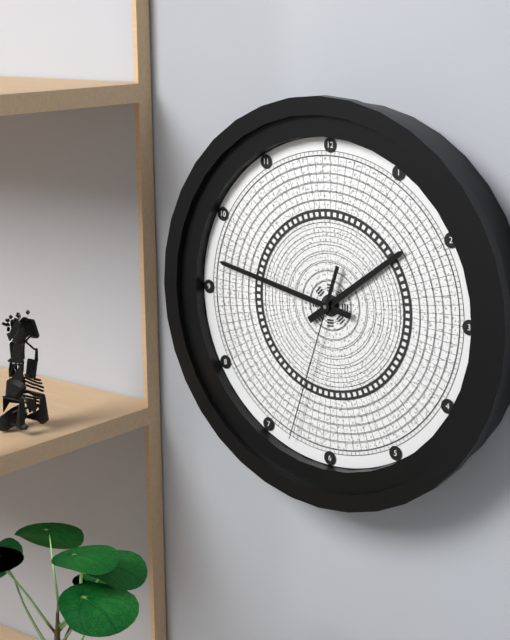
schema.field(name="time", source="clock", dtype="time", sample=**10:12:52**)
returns **1:47:33**
